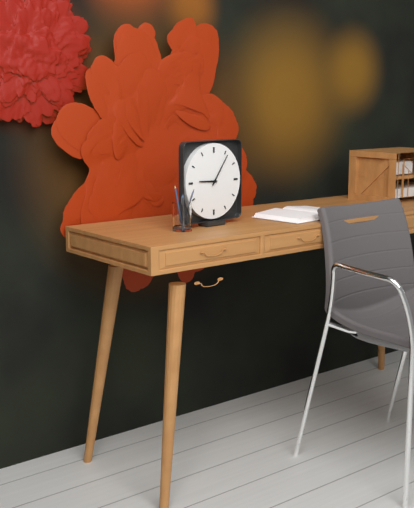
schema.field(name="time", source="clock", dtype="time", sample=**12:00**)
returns **9:06**
